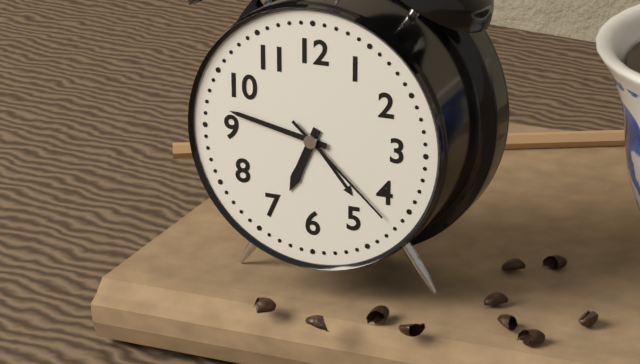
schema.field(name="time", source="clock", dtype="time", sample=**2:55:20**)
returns **6:47:22**
